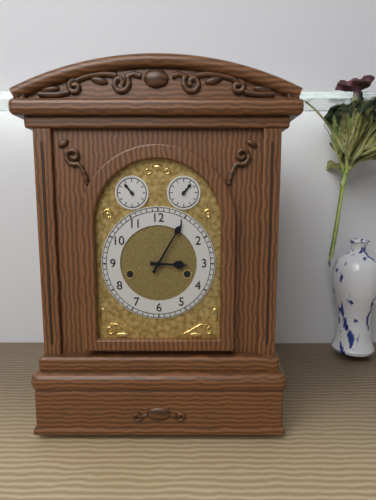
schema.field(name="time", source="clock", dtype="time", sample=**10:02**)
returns **3:05**
